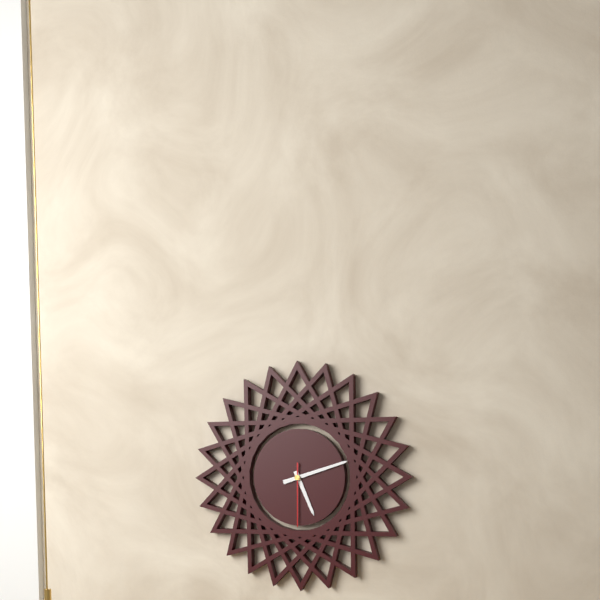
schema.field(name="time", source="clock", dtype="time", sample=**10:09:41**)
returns **5:12:30**
